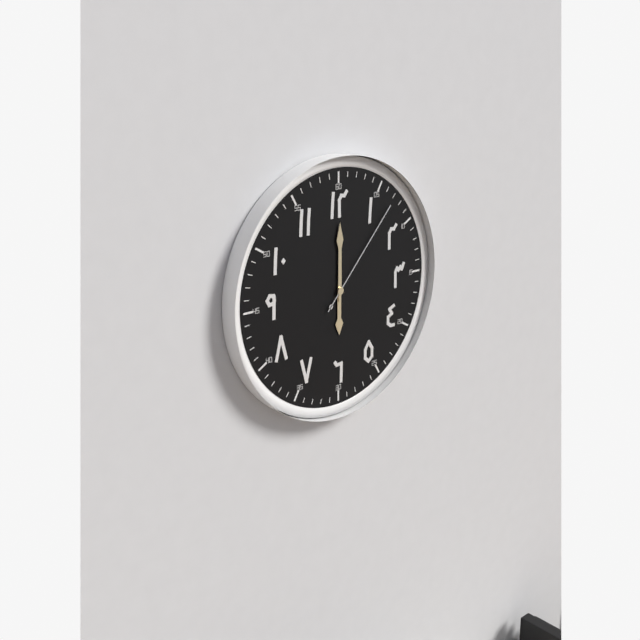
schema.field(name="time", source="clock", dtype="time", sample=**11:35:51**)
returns **6:00:07**
